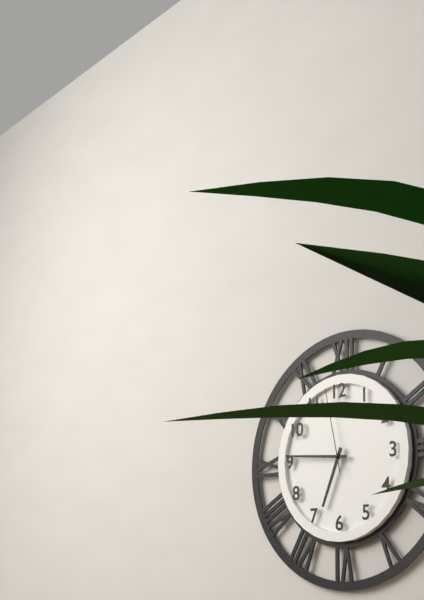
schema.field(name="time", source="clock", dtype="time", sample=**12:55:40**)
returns **6:46:58**
